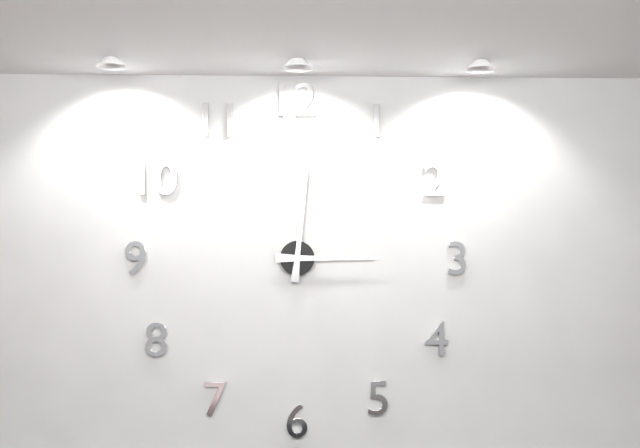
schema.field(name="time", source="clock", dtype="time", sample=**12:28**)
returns **3:01**
